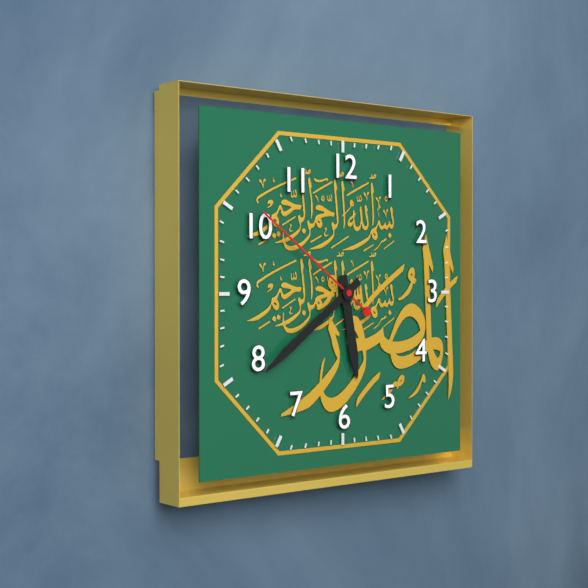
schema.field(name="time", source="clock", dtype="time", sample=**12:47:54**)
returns **5:39:51**
